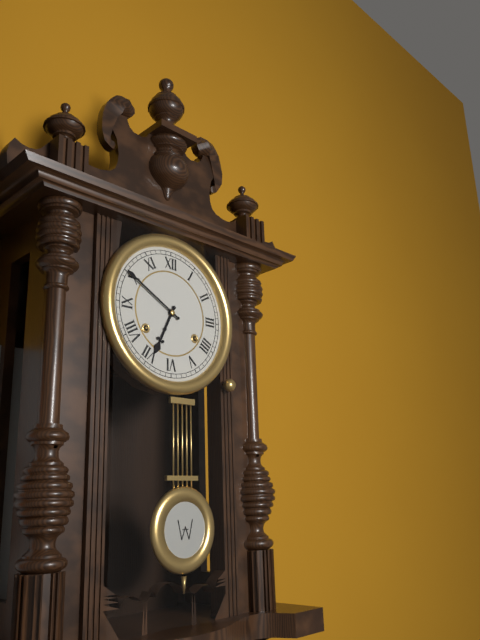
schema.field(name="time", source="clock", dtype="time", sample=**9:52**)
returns **6:50**
